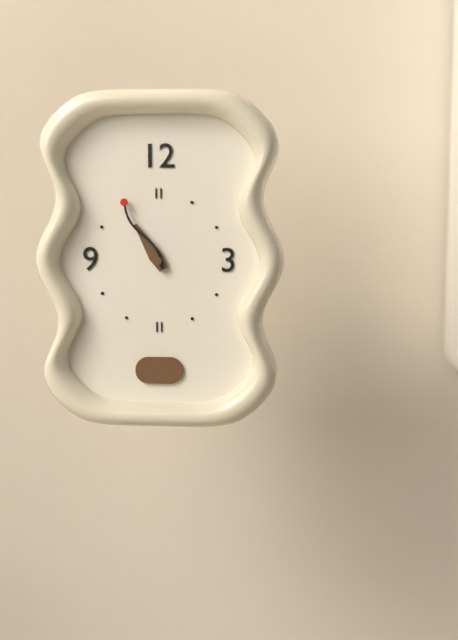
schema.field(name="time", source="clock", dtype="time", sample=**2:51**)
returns **10:55**
